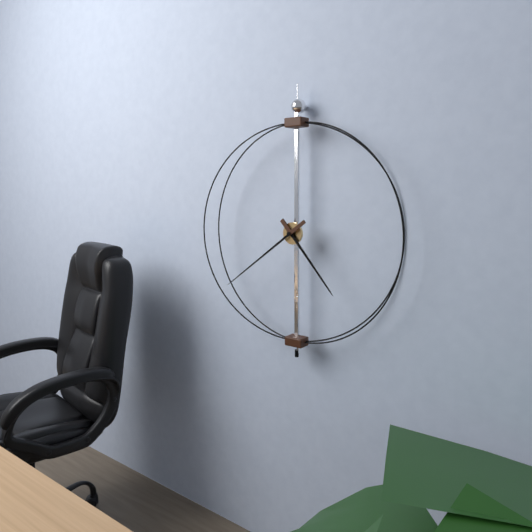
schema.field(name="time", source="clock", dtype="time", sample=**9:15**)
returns **4:39**
